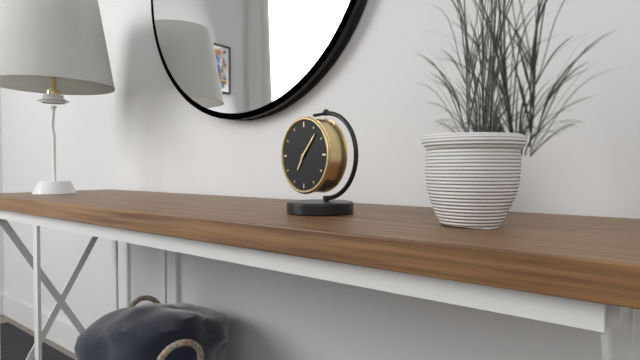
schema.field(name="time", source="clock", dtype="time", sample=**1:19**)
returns **7:07**
